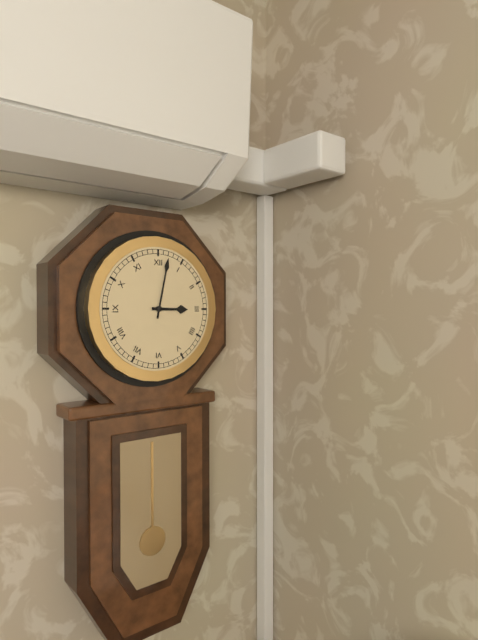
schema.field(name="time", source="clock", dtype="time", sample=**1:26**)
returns **3:02**
